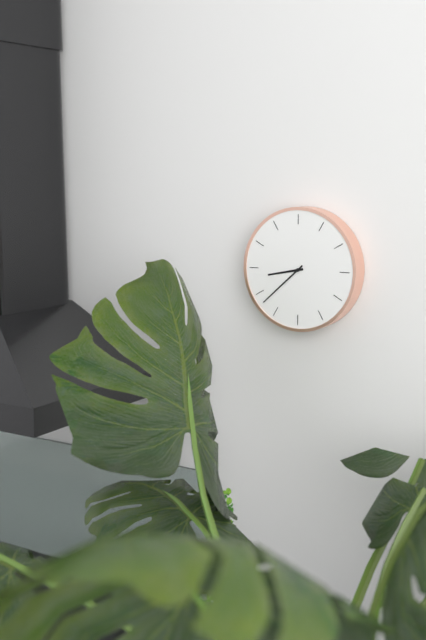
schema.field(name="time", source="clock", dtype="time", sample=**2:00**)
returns **8:38**
